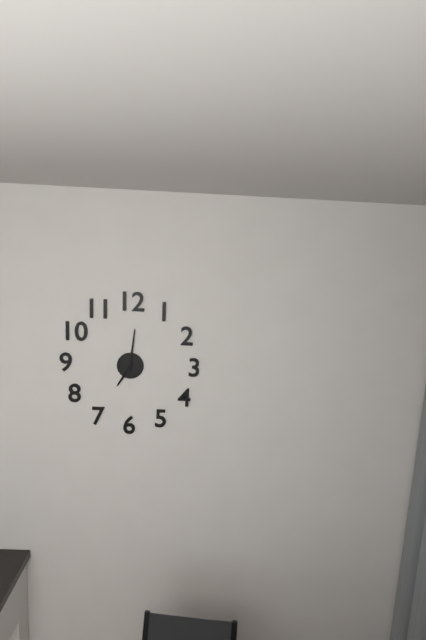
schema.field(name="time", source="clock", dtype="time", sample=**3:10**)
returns **7:01**
